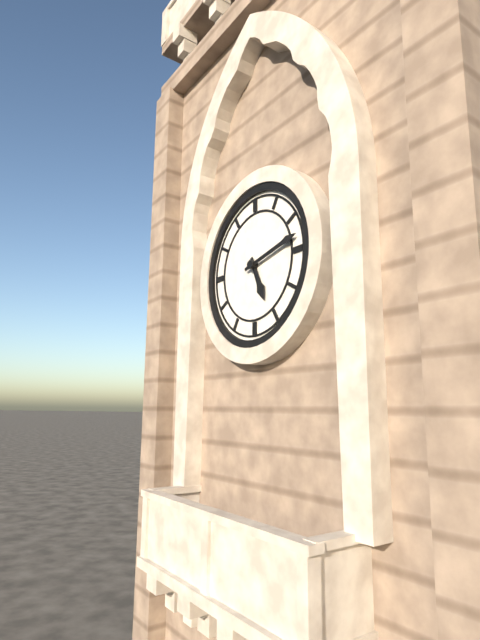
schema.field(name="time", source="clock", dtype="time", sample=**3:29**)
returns **5:13**
